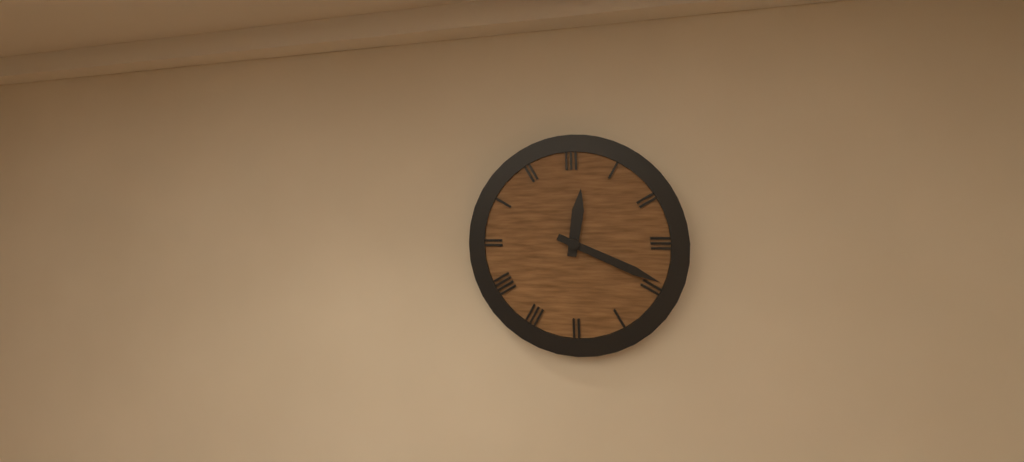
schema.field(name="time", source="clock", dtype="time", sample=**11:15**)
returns **12:19**
